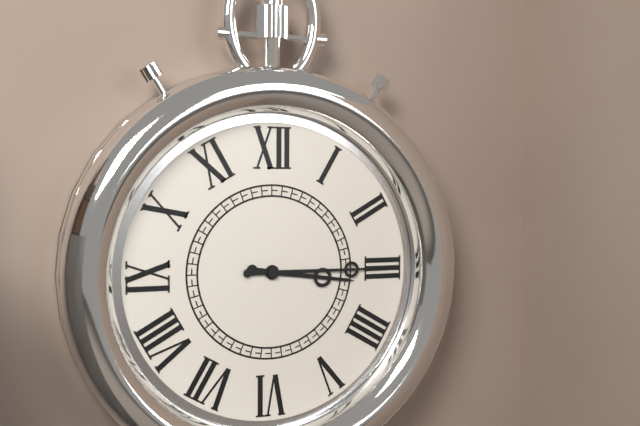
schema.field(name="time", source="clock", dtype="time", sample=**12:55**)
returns **3:15**
